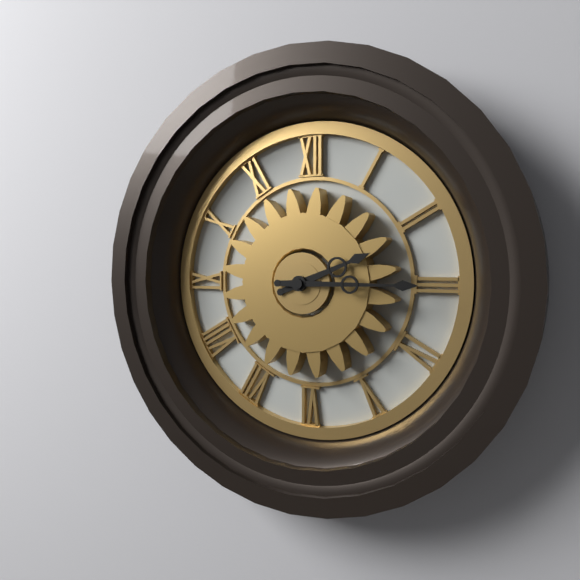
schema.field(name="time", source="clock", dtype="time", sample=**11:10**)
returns **2:15**
